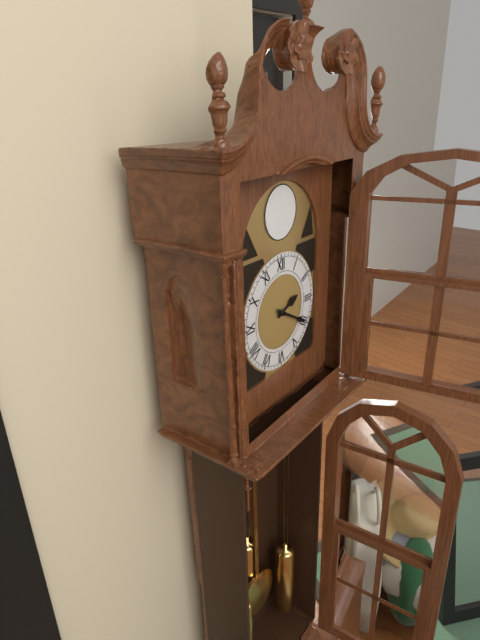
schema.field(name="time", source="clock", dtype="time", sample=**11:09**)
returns **2:20**
